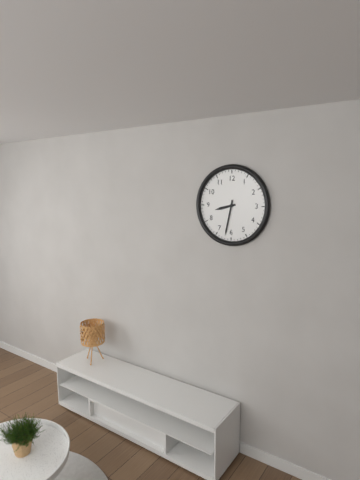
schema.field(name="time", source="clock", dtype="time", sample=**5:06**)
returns **8:32**
